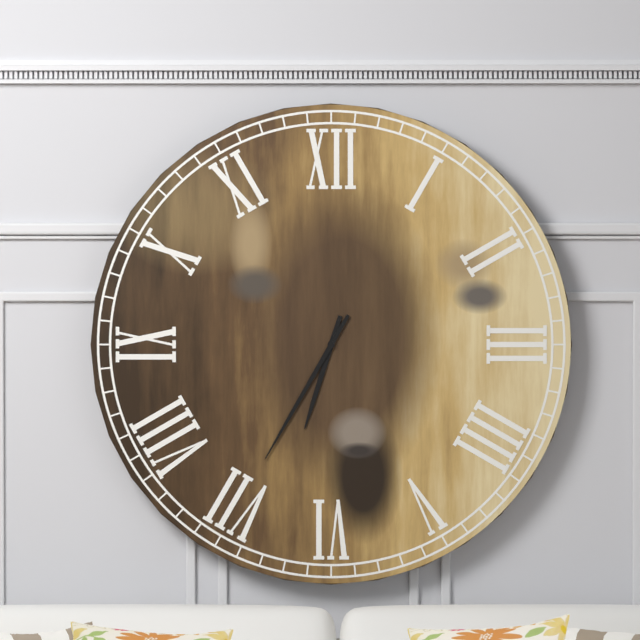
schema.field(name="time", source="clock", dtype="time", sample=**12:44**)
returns **6:35**
